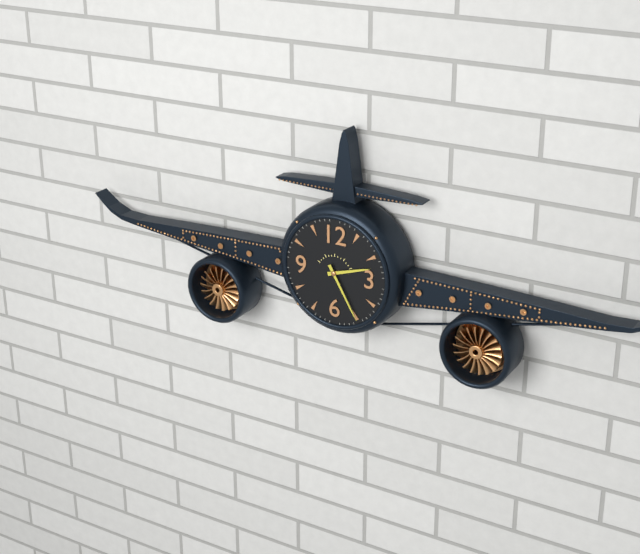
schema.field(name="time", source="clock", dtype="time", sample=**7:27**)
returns **2:25**
